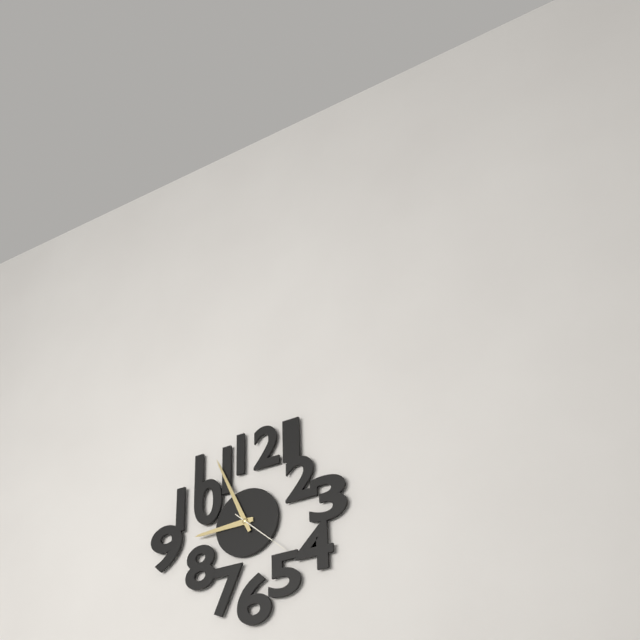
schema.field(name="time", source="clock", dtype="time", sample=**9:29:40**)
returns **8:56:22**
